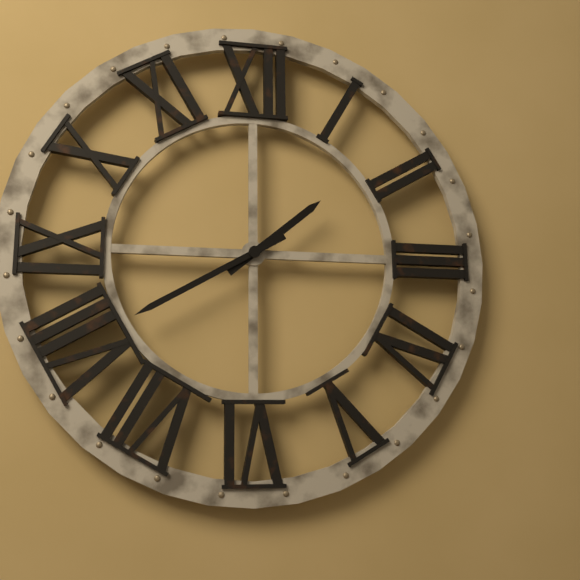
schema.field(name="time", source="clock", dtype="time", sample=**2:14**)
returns **1:40**
